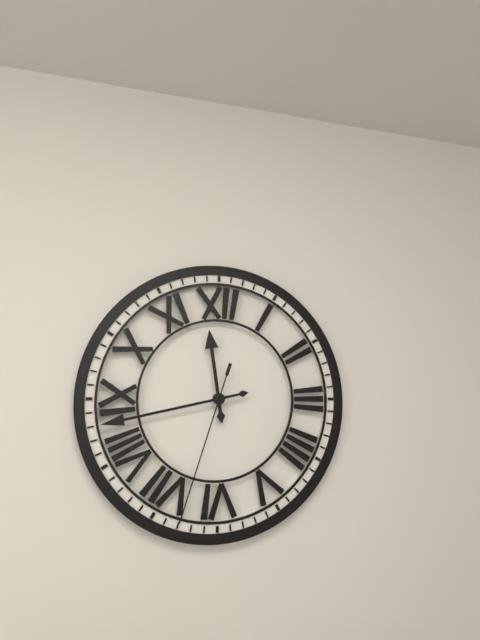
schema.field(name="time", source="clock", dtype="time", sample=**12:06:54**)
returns **11:43:33**
